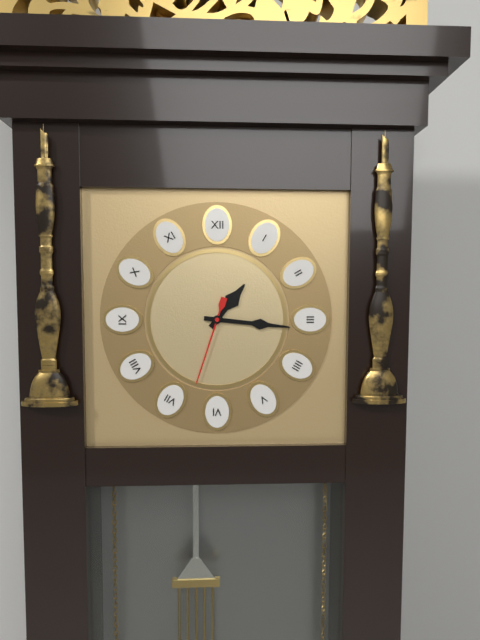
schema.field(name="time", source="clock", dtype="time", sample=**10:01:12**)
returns **1:16:33**
